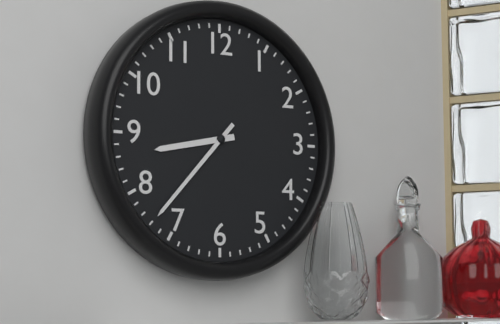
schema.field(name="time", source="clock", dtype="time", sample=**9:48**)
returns **8:37**
